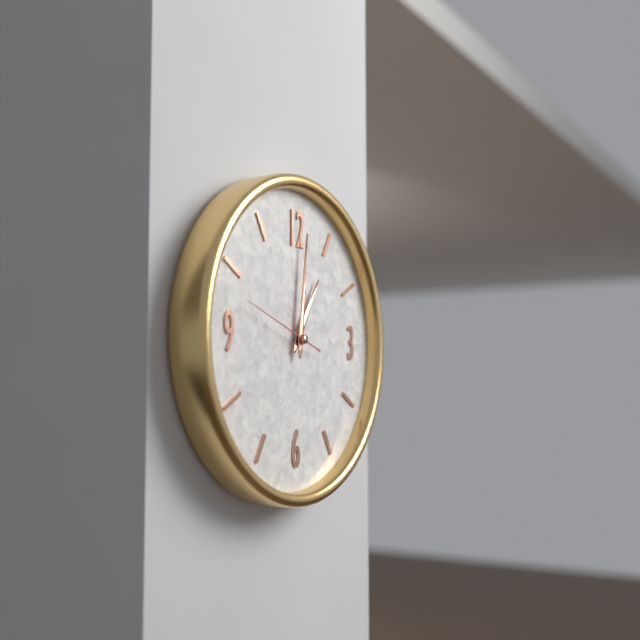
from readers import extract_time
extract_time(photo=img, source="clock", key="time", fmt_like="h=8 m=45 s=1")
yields h=1 m=1 s=48
